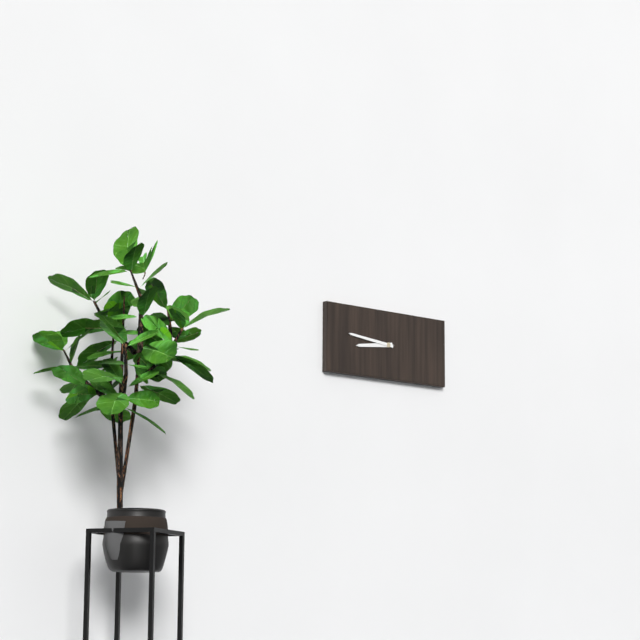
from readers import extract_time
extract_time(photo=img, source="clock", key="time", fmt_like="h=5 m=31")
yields h=8 m=46
